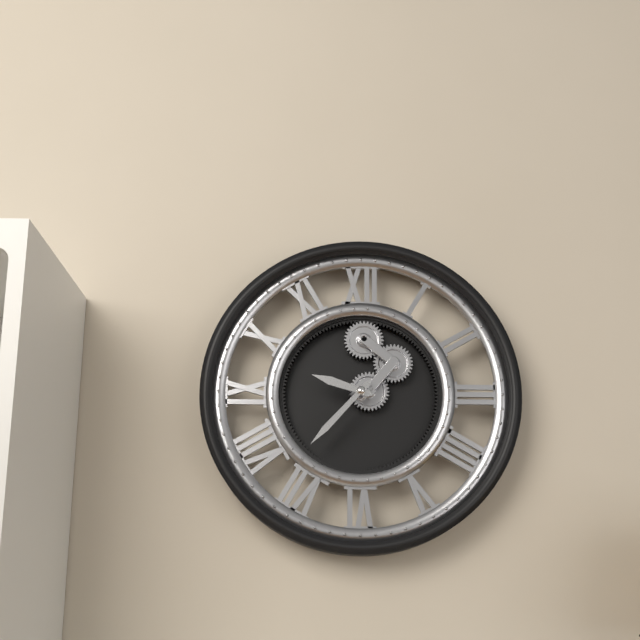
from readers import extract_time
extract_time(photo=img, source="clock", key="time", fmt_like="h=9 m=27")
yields h=9 m=37
